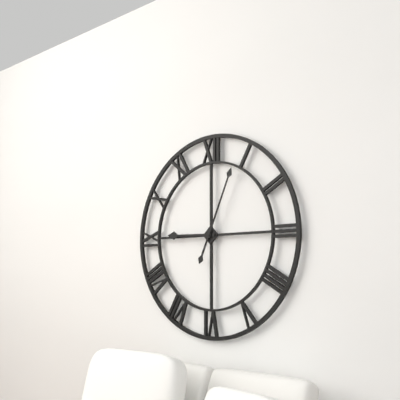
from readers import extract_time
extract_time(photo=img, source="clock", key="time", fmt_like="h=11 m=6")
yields h=9 m=4
